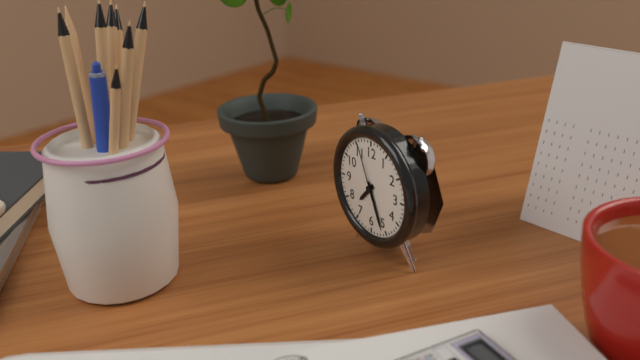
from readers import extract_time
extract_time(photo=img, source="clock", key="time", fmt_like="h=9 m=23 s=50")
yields h=7 m=26 s=56
